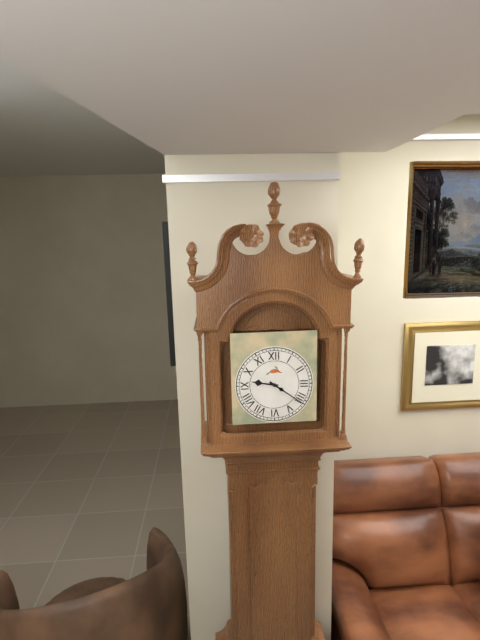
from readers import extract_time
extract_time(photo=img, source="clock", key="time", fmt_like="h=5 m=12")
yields h=9 m=21
